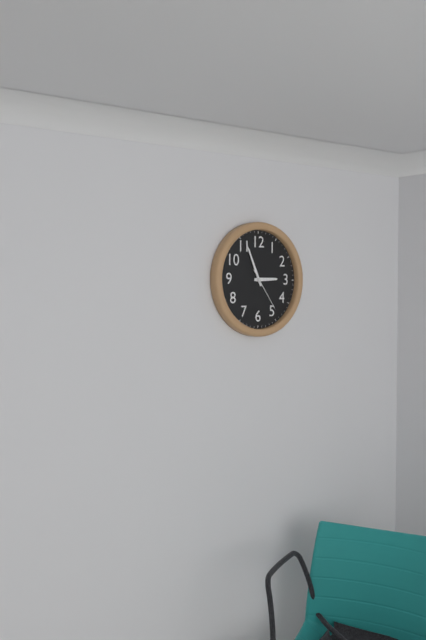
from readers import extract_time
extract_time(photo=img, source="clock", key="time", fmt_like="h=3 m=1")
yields h=2 m=56
